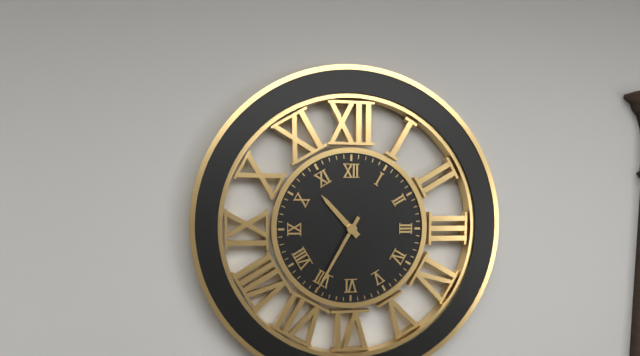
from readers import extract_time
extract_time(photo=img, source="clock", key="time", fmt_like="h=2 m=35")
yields h=10 m=35
